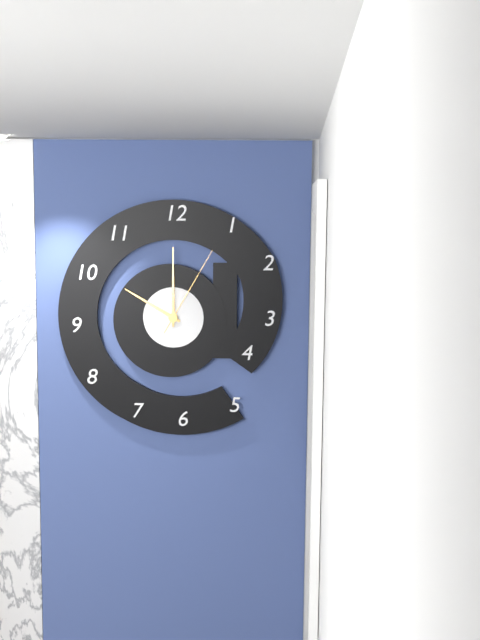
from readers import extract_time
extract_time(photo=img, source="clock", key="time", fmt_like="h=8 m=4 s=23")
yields h=10 m=0 s=5
